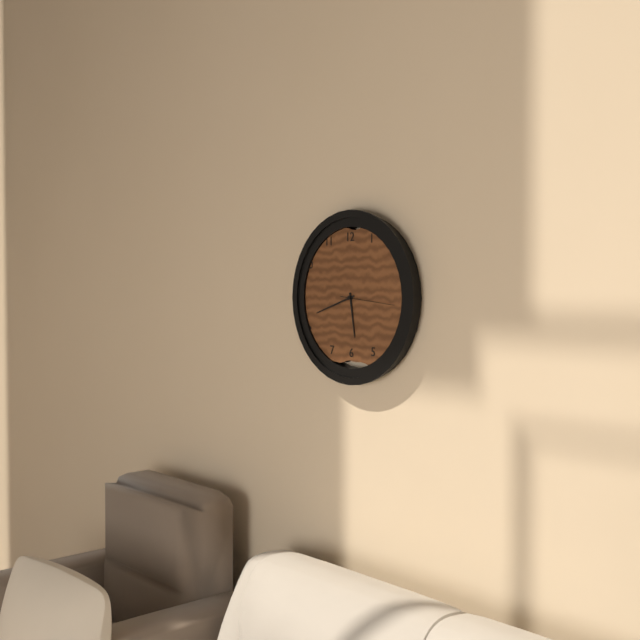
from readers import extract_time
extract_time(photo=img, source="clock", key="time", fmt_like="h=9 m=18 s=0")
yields h=5 m=42 s=16
